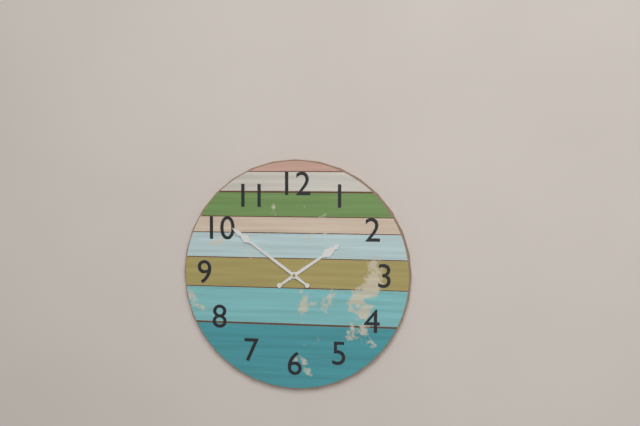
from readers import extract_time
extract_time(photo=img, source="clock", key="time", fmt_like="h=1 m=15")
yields h=1 m=51
